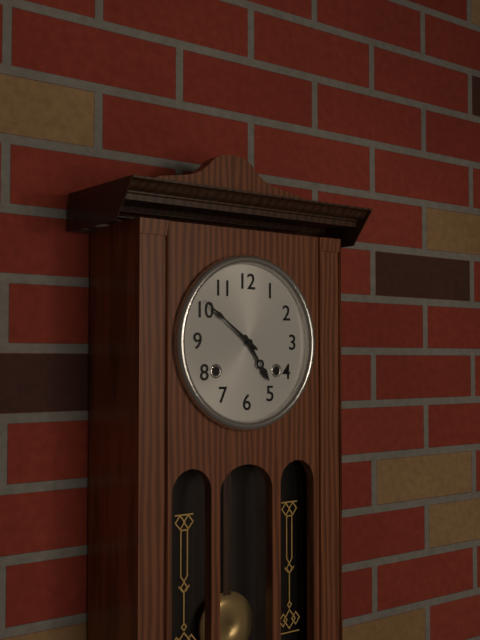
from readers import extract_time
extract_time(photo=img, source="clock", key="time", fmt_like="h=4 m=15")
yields h=4 m=51
